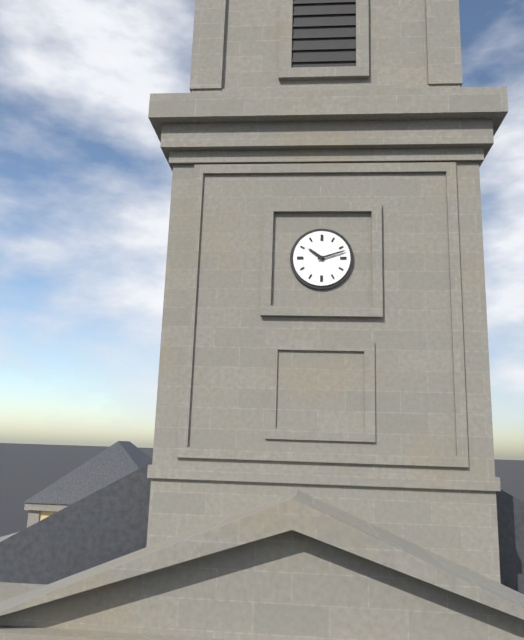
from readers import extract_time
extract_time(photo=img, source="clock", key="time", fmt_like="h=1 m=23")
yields h=10 m=12
